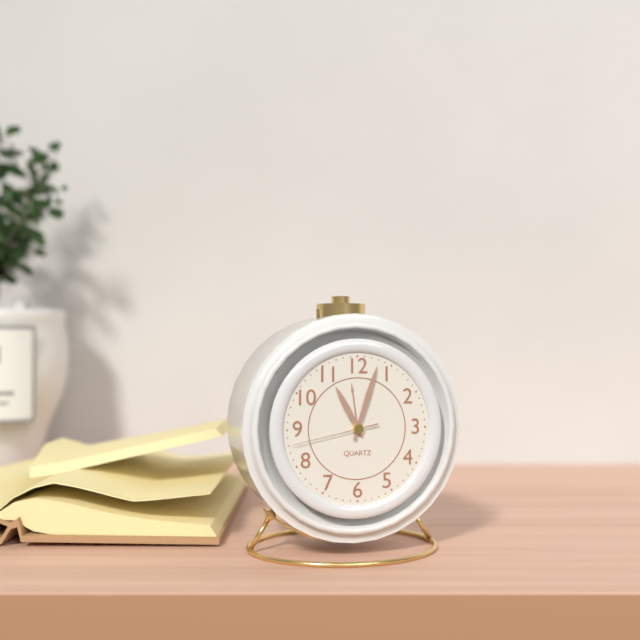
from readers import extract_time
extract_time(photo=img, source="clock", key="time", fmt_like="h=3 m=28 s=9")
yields h=11 m=3 s=43
